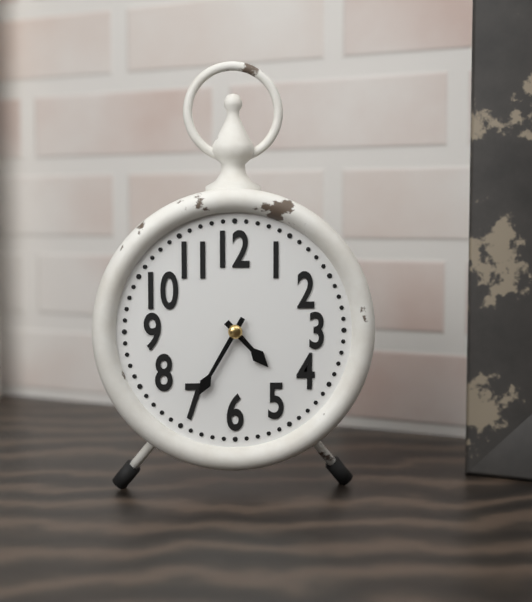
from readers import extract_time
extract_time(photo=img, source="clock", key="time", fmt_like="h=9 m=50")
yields h=4 m=35
